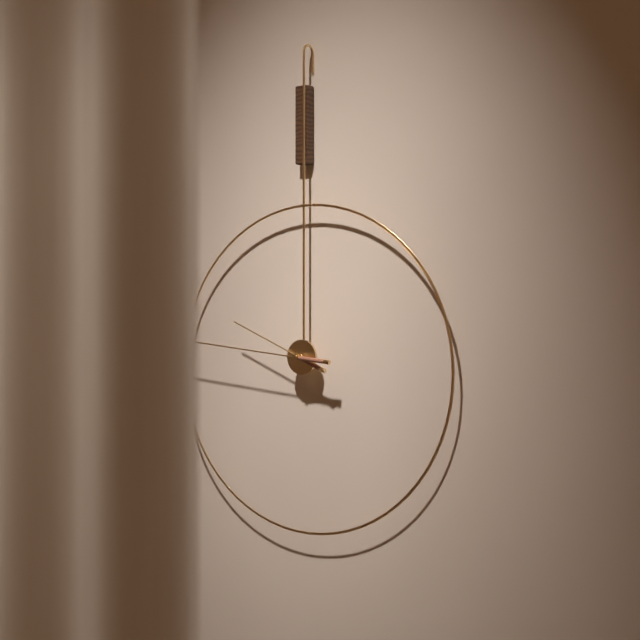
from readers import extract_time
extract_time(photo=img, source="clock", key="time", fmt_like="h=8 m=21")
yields h=9 m=46
